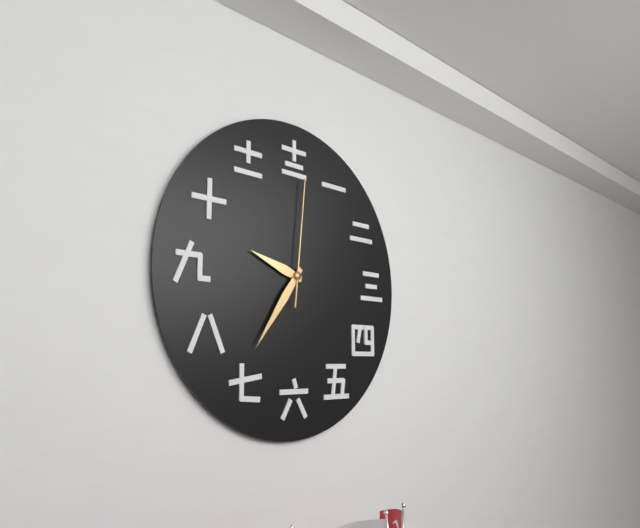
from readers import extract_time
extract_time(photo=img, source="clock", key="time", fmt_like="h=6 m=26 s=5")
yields h=9 m=36 s=1
